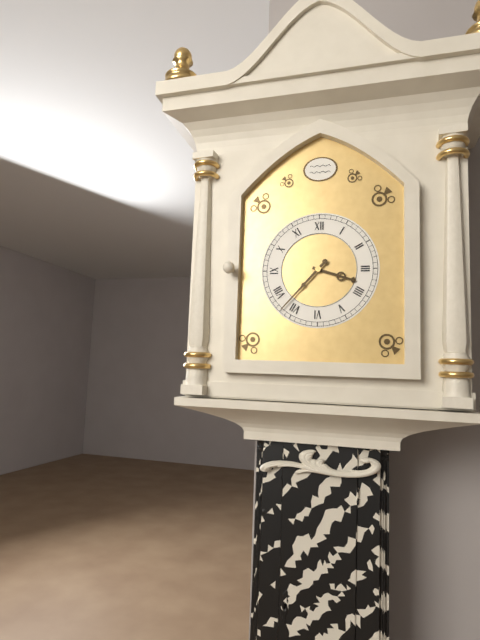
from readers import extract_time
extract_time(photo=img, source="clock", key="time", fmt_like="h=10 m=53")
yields h=3 m=37
